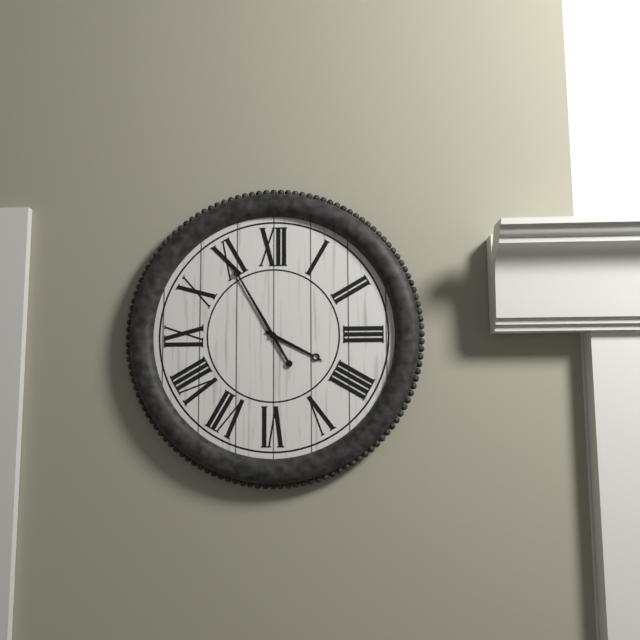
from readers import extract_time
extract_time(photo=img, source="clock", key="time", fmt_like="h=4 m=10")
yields h=3 m=55
